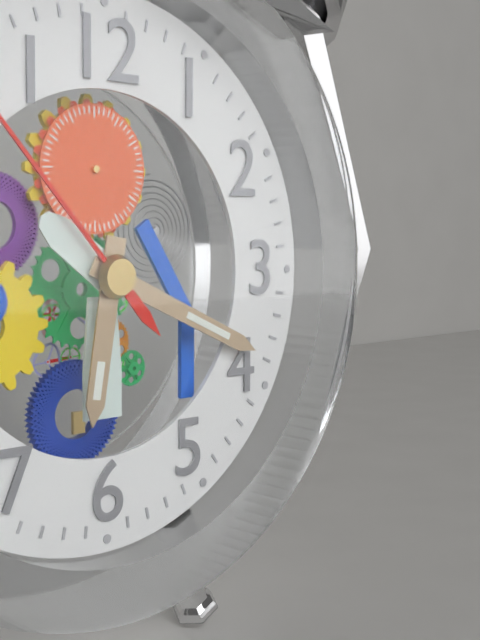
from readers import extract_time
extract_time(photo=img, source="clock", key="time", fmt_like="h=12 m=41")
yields h=6 m=19
